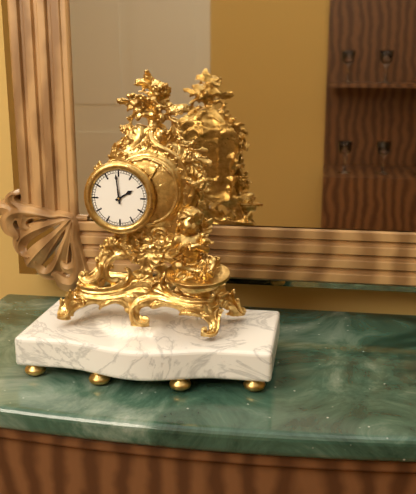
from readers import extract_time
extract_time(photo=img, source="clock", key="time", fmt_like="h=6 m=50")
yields h=1 m=59
